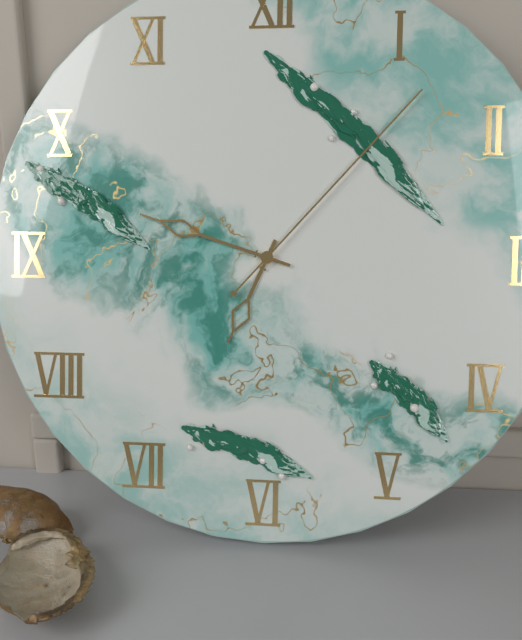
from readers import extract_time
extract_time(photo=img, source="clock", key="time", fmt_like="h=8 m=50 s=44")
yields h=6 m=48 s=7
